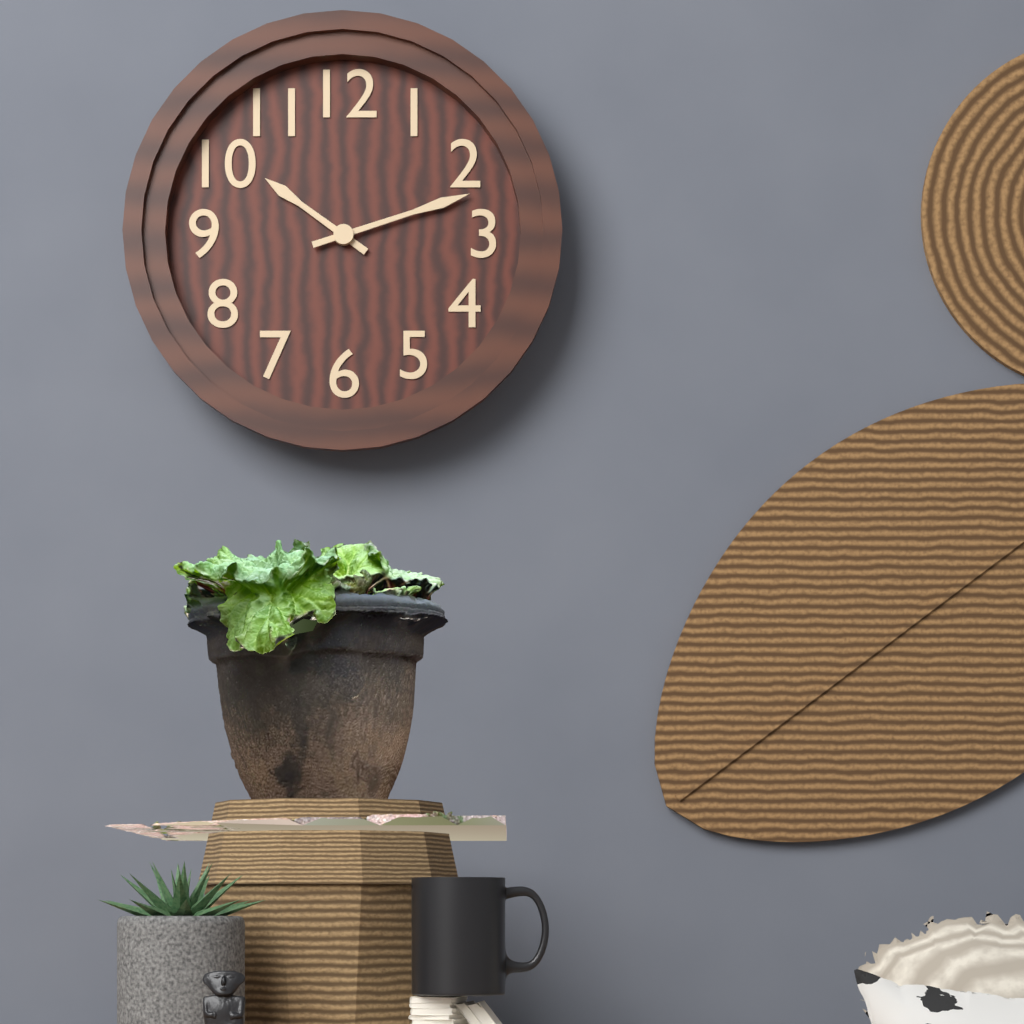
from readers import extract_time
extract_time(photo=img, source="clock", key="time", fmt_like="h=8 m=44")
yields h=10 m=12
